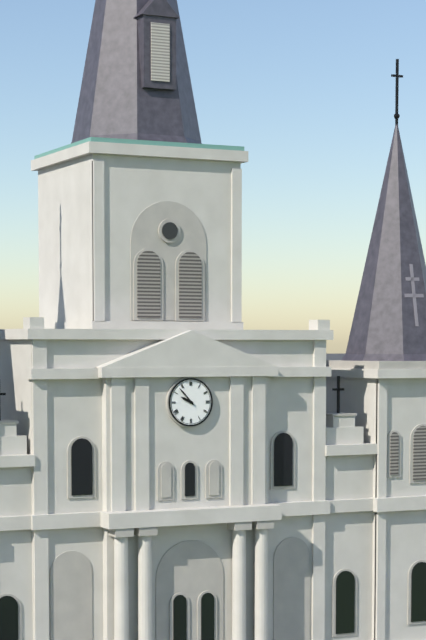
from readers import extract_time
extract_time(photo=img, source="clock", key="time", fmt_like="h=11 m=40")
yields h=9 m=53
